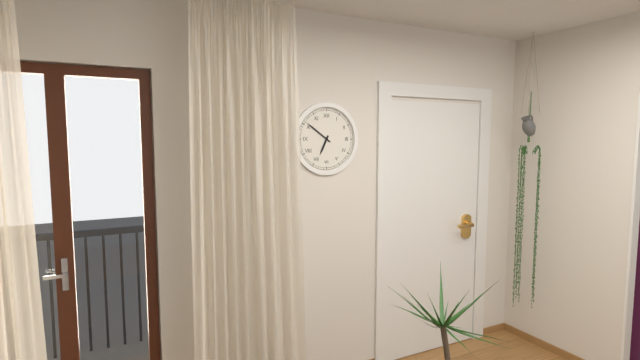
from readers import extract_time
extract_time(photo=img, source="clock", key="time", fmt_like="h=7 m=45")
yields h=6 m=51
